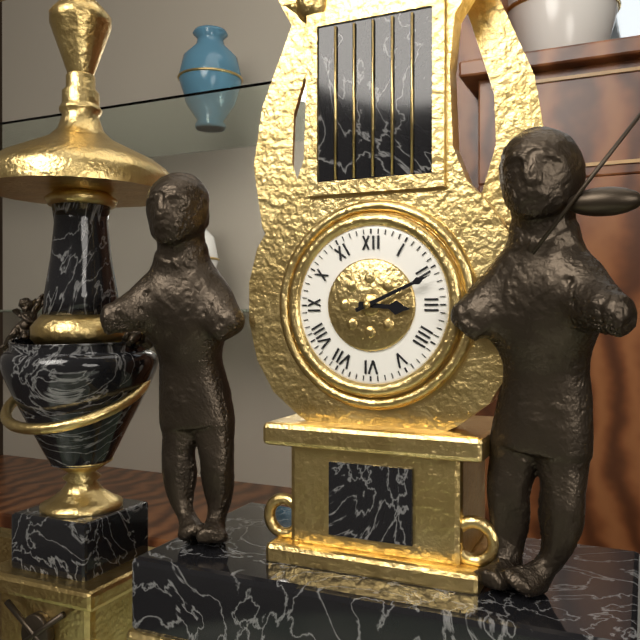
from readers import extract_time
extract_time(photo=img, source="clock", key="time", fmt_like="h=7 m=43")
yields h=3 m=11
